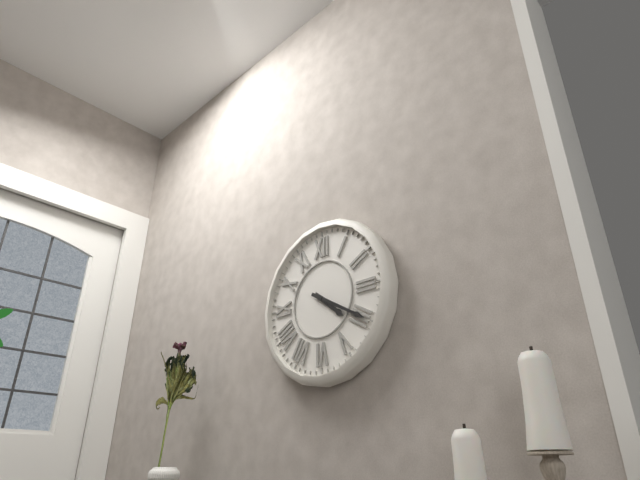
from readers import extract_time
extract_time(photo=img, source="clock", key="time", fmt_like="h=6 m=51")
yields h=4 m=20
